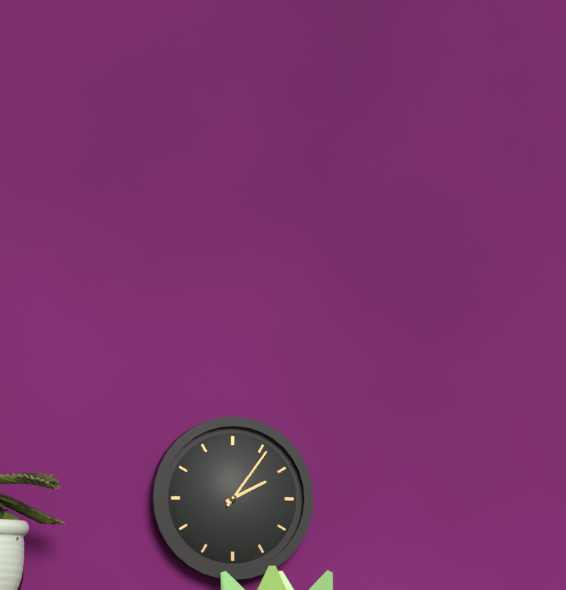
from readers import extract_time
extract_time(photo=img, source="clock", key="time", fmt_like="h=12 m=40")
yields h=2 m=6
